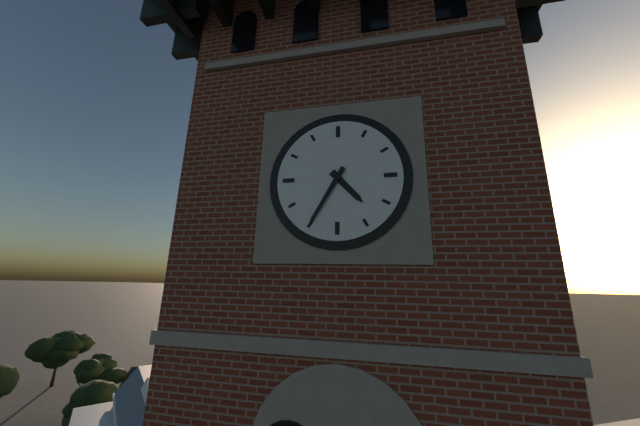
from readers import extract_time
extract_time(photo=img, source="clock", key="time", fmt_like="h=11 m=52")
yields h=4 m=35
